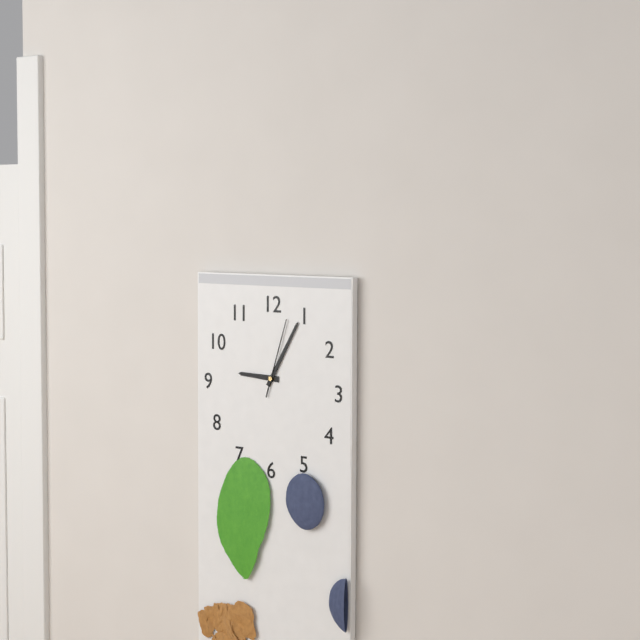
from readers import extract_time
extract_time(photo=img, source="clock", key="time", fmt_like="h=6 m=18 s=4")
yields h=9 m=5 s=3
